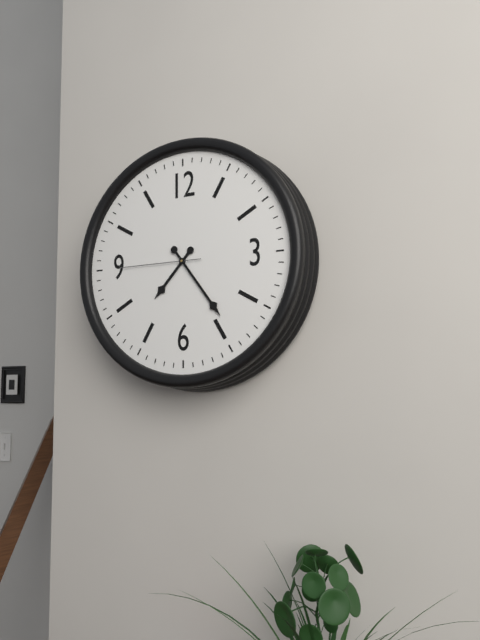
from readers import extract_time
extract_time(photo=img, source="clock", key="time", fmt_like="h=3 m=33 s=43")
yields h=7 m=24 s=45
